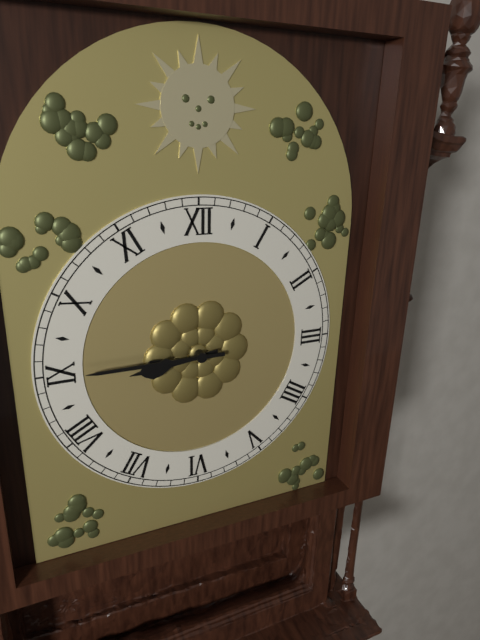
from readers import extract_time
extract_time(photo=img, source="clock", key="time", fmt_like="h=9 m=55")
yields h=8 m=45
